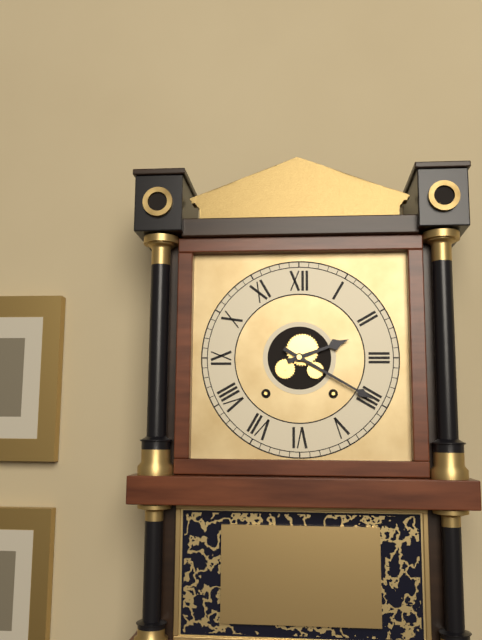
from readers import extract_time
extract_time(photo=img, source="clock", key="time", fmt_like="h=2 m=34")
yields h=2 m=20
